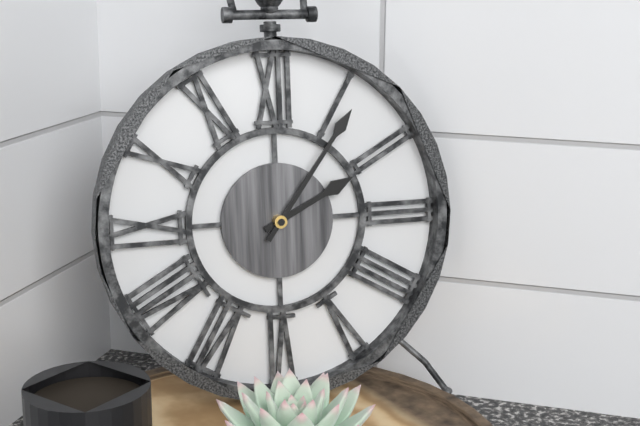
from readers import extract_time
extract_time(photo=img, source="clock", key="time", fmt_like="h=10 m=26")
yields h=2 m=6
